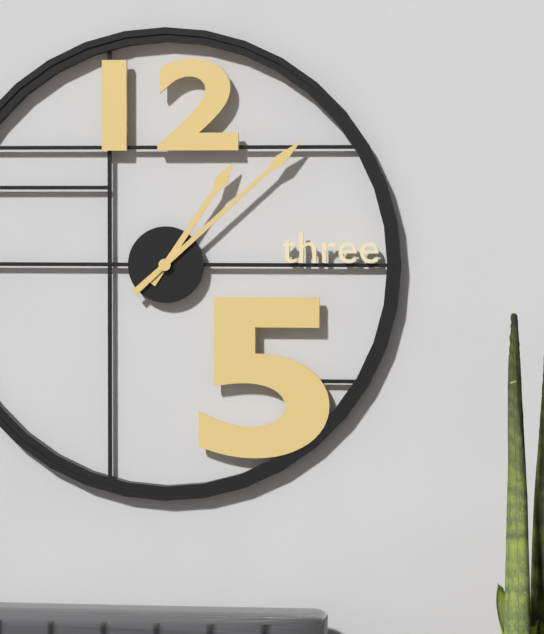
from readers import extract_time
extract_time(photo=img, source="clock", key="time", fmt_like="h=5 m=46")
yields h=1 m=8
